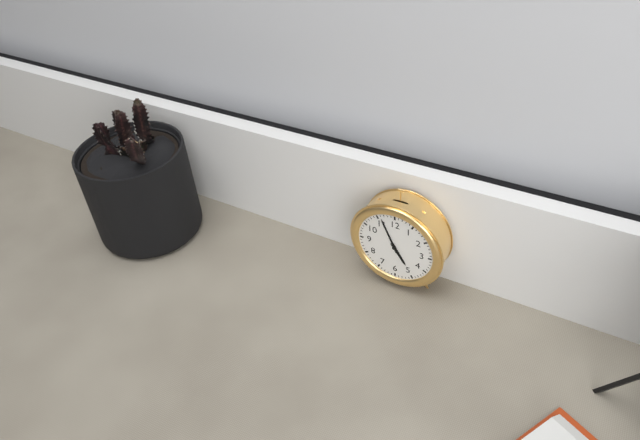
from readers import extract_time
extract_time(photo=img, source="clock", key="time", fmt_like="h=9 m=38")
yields h=4 m=56
